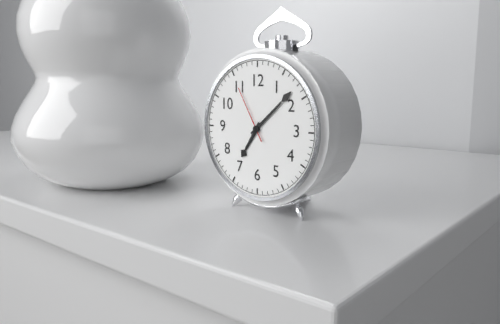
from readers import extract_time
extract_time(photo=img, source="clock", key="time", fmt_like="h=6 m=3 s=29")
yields h=7 m=8 s=55
